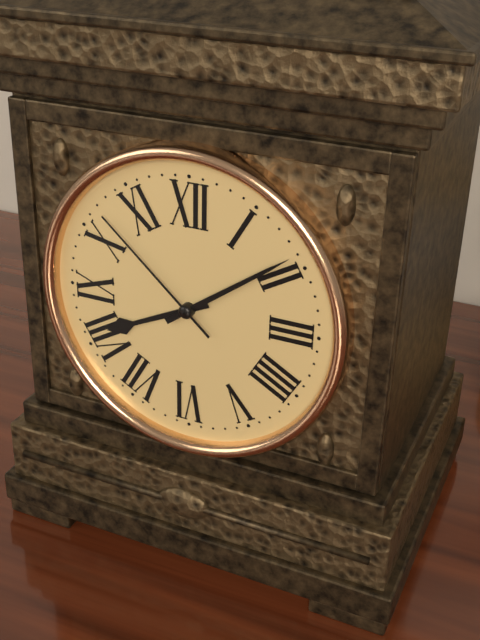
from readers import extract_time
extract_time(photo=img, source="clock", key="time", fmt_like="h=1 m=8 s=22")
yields h=8 m=9 s=52
